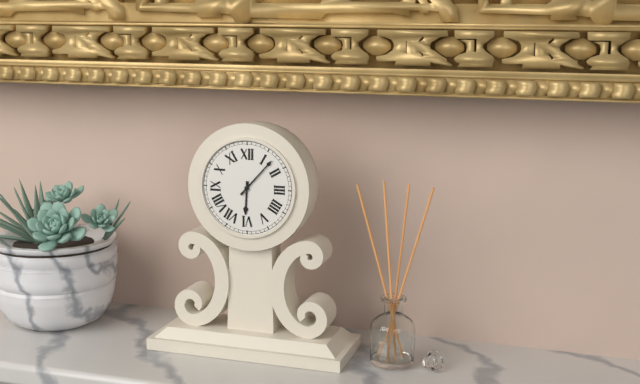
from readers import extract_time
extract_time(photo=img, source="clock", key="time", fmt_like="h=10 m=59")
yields h=6 m=7
